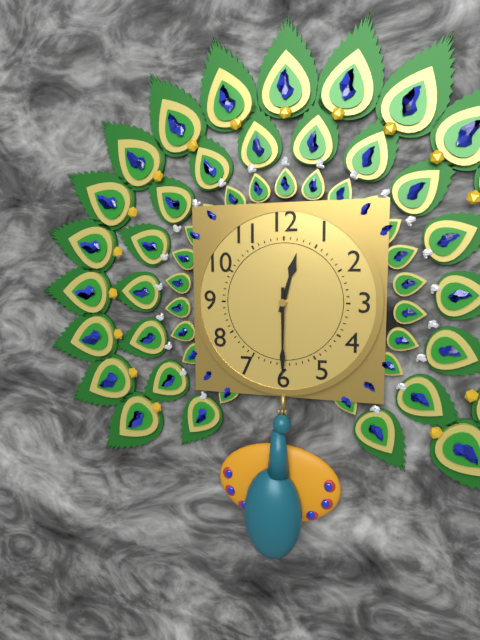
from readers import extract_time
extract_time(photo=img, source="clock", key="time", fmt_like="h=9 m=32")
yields h=12 m=30
